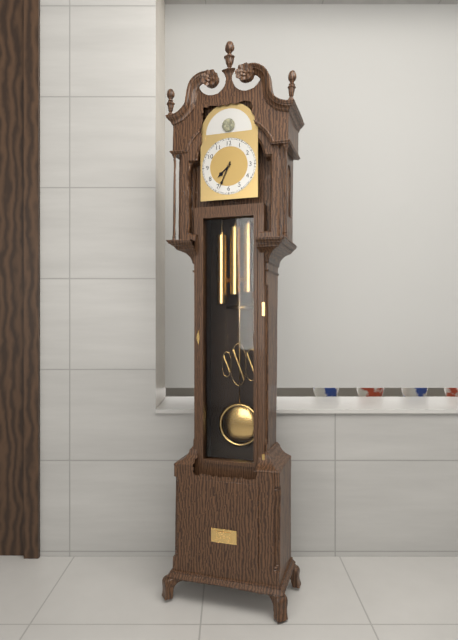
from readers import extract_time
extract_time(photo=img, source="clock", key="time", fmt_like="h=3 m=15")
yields h=7 m=34
